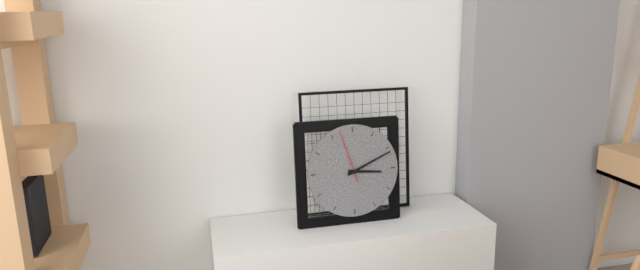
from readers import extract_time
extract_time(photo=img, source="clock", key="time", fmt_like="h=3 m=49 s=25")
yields h=3 m=11 s=57
